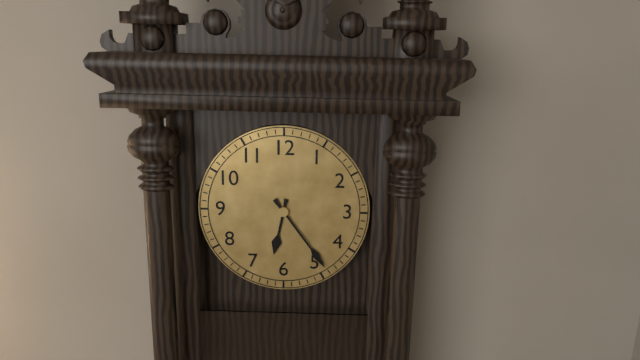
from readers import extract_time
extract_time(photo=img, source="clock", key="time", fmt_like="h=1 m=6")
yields h=6 m=24
